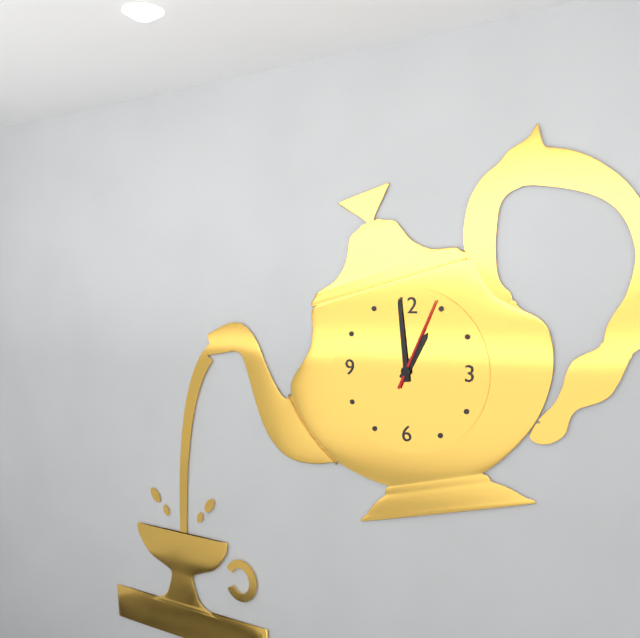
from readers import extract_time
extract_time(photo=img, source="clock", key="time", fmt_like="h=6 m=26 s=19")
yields h=12 m=59 s=4
